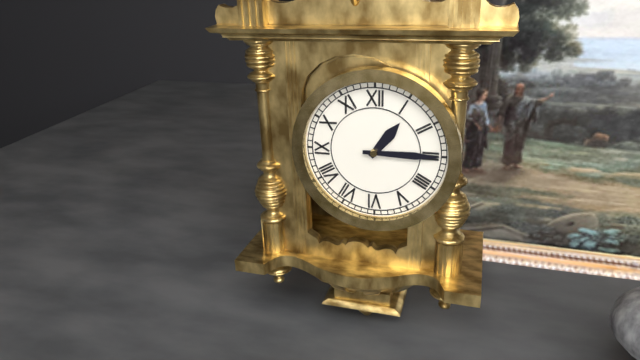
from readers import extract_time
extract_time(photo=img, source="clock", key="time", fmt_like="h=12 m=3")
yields h=1 m=15
